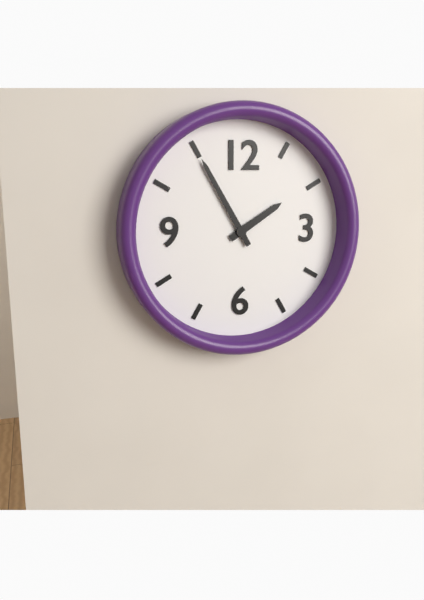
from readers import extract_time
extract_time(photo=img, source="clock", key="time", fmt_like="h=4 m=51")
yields h=1 m=55
